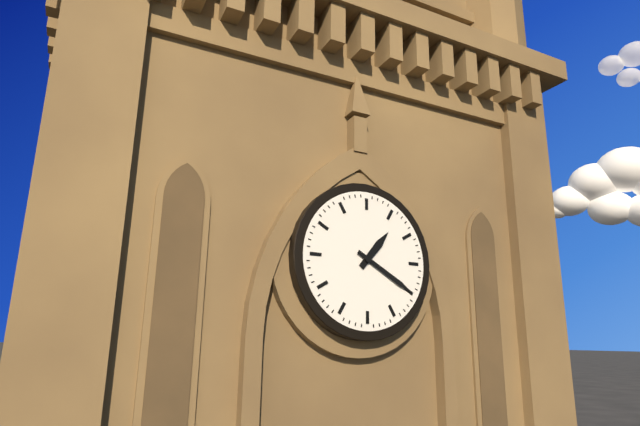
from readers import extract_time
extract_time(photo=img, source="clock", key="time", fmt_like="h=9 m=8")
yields h=1 m=20
